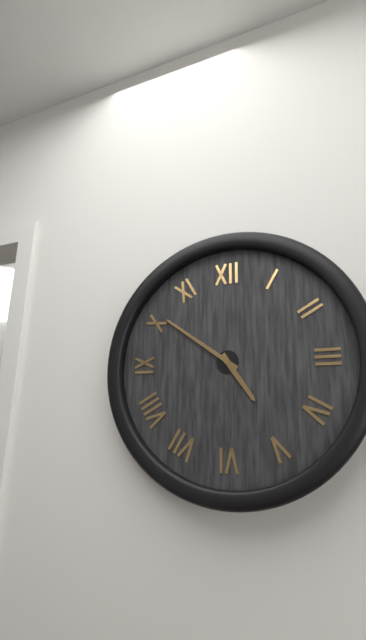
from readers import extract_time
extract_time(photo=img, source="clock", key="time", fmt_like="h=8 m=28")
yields h=4 m=51
